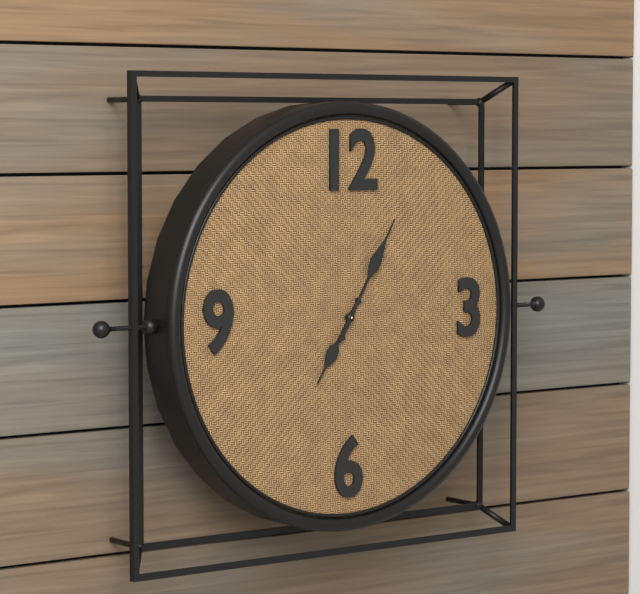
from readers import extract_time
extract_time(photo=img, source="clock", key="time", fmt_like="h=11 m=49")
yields h=7 m=5
